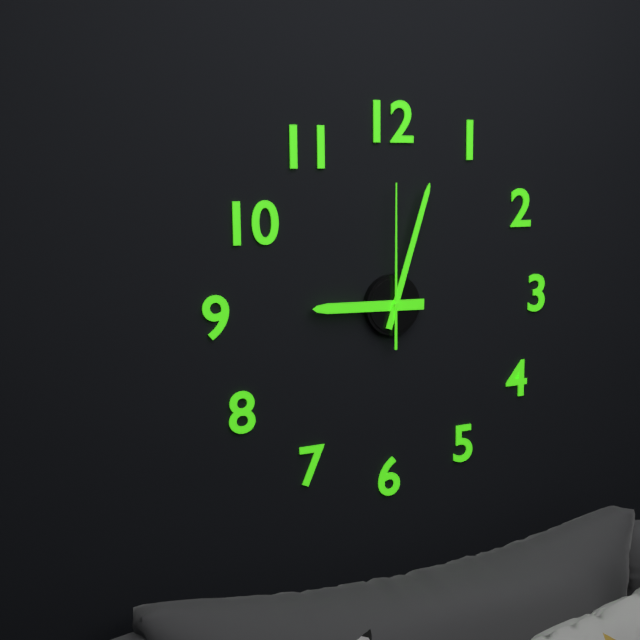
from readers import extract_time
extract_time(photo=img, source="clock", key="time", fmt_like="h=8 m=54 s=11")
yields h=9 m=3 s=0
